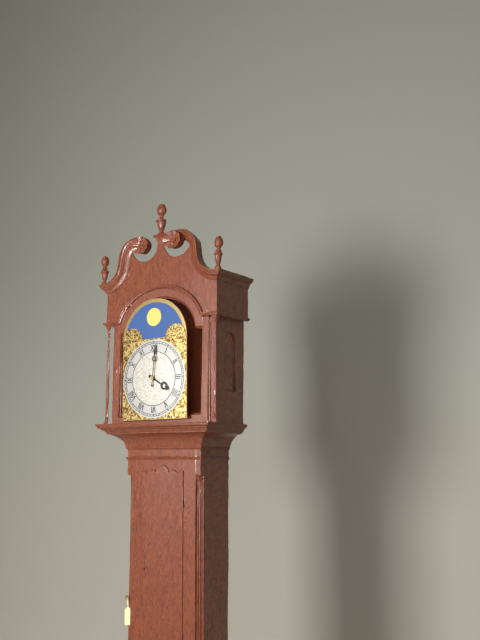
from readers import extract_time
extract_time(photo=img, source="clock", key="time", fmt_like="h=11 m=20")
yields h=4 m=1
